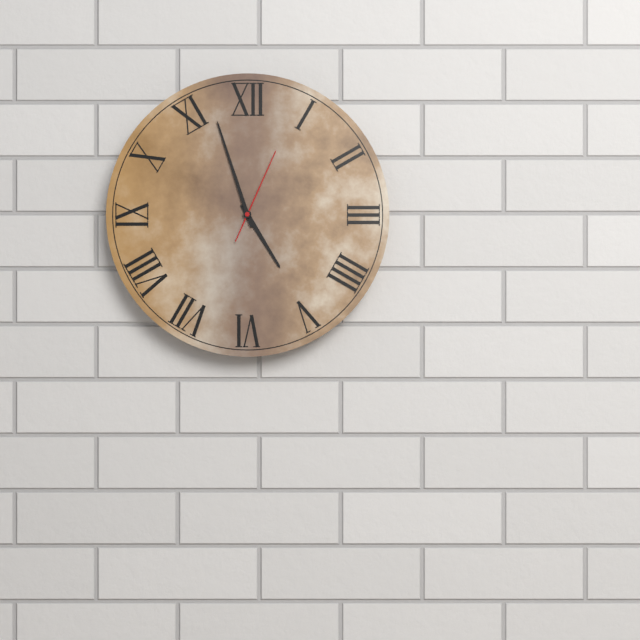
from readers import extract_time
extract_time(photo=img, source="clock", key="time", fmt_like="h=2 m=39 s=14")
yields h=4 m=57 s=4
